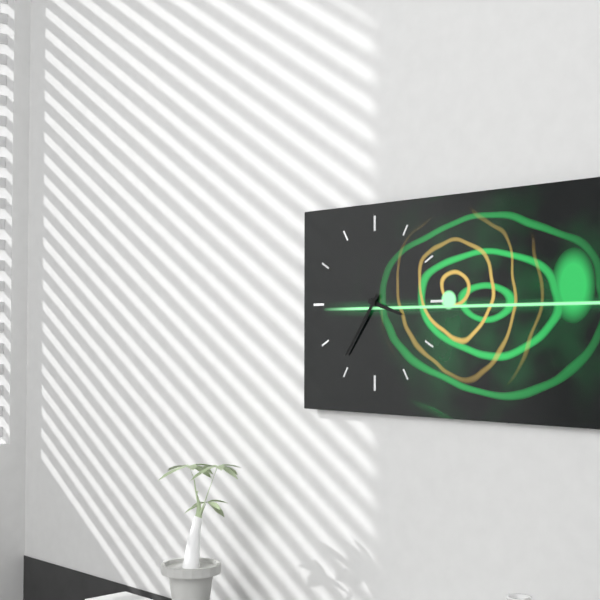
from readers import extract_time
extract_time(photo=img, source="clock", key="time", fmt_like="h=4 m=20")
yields h=3 m=36
